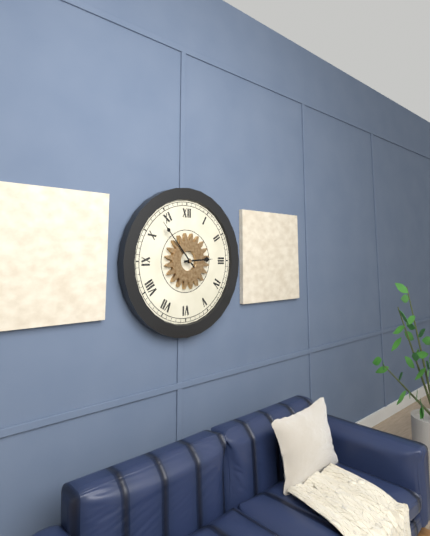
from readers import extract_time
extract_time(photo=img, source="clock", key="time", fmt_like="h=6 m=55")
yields h=2 m=53
